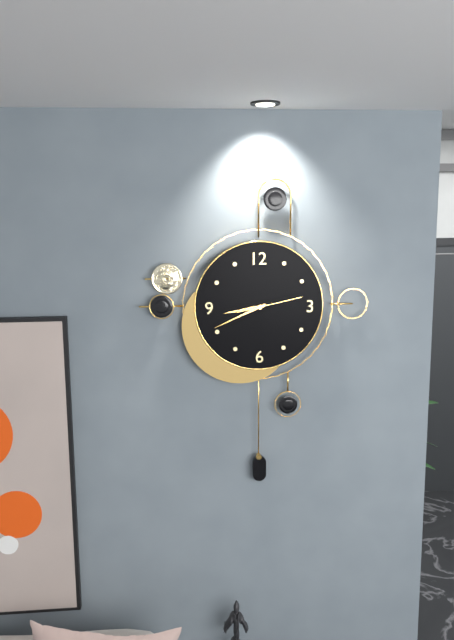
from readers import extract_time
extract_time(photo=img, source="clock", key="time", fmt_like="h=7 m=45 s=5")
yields h=8 m=41 s=13
